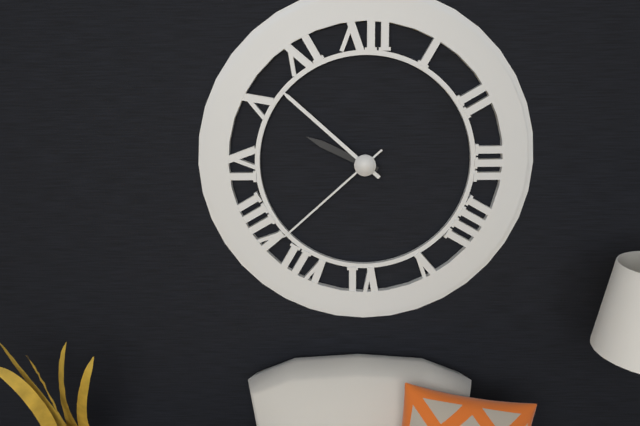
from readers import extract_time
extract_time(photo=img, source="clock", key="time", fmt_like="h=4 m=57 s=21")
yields h=9 m=52 s=38
